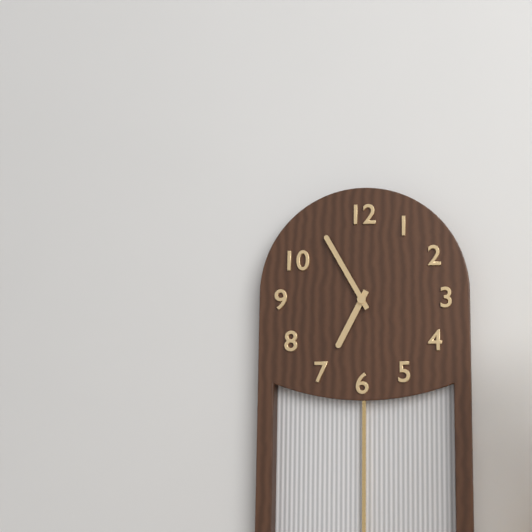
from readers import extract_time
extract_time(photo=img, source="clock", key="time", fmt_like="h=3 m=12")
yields h=6 m=55
